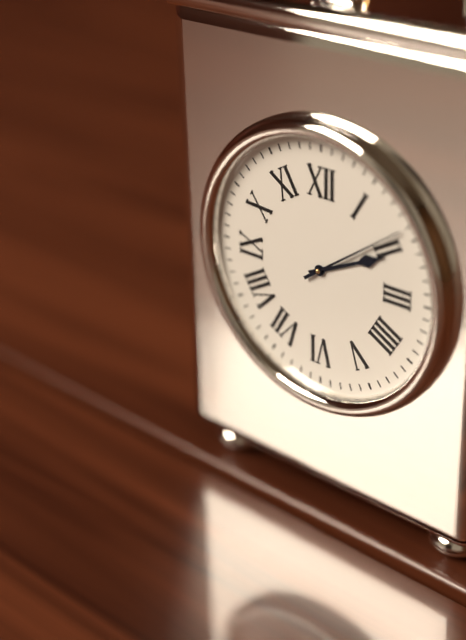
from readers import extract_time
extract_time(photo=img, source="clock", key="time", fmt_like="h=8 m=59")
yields h=2 m=9
